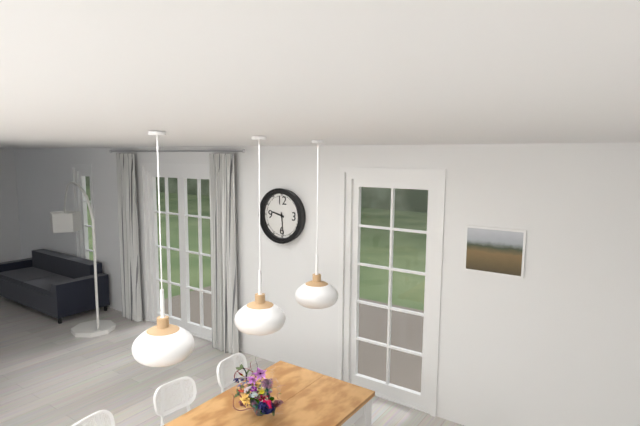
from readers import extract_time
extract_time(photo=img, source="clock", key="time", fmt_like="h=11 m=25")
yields h=9 m=29
